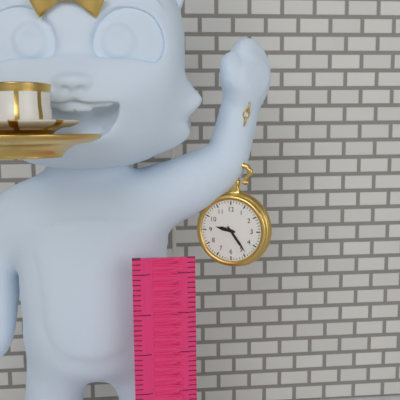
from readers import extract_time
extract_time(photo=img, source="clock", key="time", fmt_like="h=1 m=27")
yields h=9 m=24
